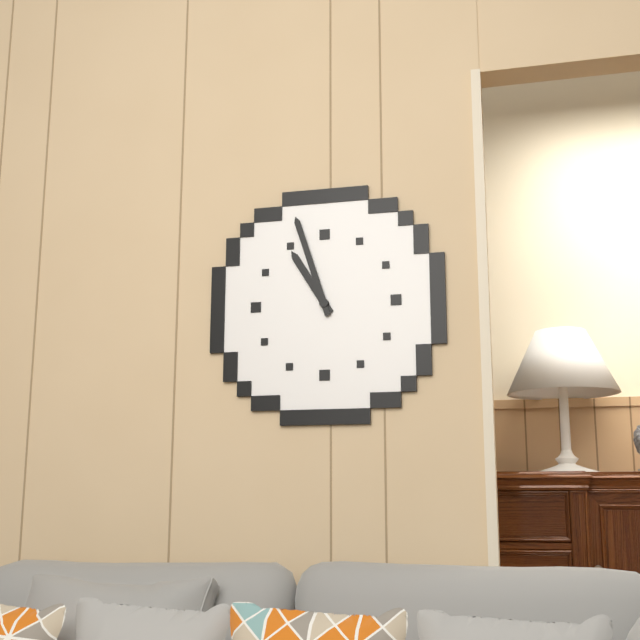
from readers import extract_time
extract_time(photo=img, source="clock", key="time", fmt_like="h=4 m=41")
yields h=10 m=57
